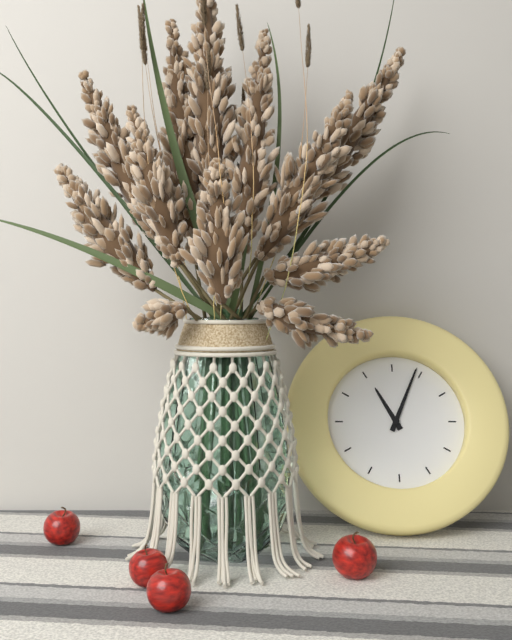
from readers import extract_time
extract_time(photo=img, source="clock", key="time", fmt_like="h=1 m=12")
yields h=11 m=4
